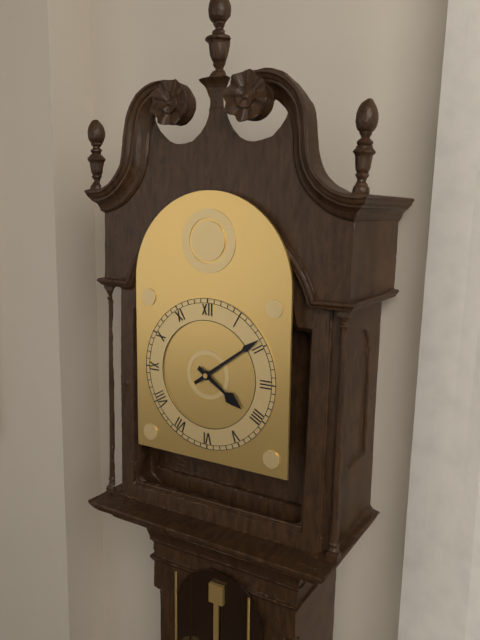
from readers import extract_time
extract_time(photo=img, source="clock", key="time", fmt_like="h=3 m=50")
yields h=4 m=9
